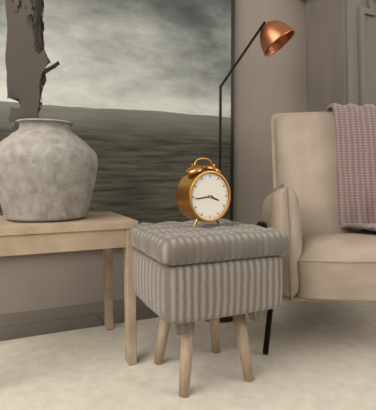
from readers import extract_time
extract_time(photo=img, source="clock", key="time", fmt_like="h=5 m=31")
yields h=3 m=44
